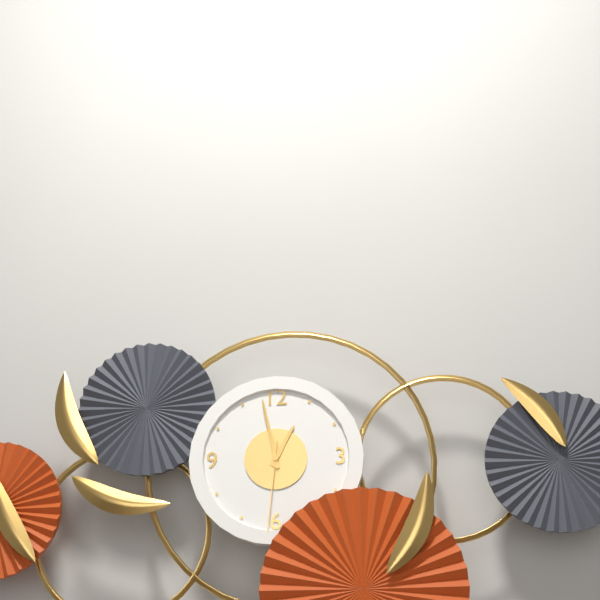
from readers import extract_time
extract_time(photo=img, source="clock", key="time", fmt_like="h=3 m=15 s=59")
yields h=12 m=58 s=31
